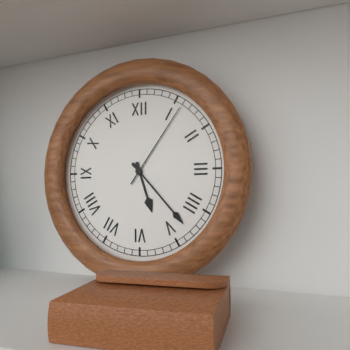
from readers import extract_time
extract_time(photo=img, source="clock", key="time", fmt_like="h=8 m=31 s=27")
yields h=5 m=23 s=6
